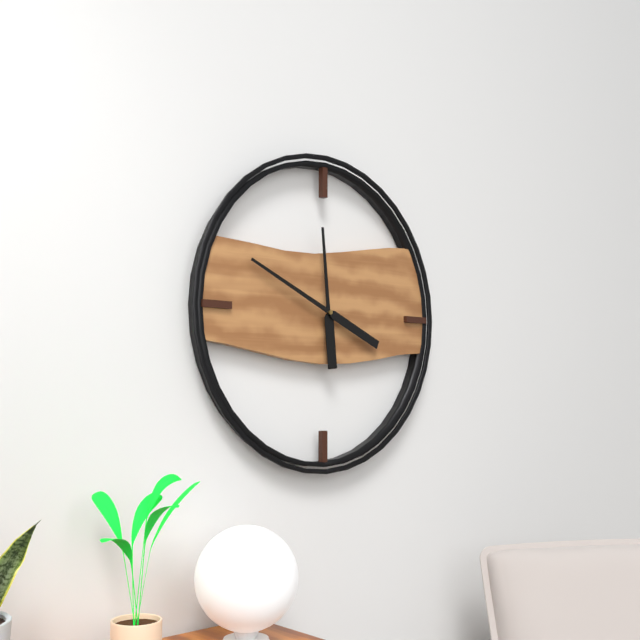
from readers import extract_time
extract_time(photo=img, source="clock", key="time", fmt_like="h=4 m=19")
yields h=11 m=49
